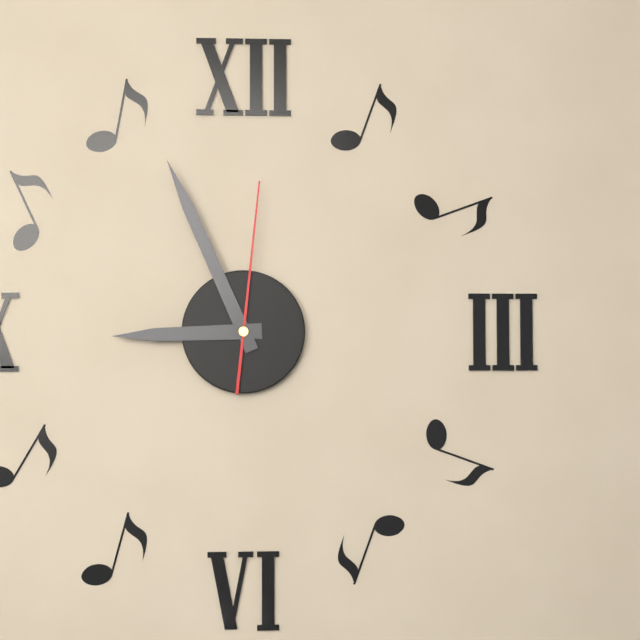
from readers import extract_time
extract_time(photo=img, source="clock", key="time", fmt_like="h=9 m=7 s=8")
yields h=8 m=56 s=1
